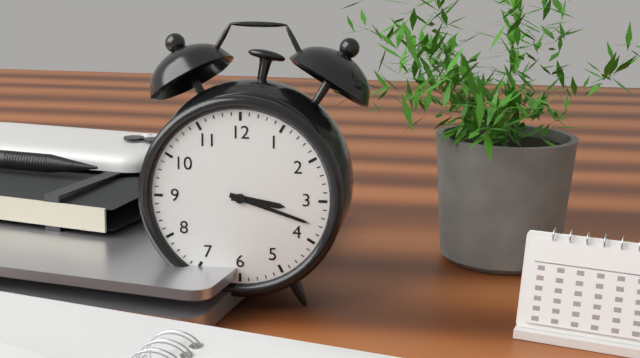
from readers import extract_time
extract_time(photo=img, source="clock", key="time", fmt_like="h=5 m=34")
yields h=3 m=18
